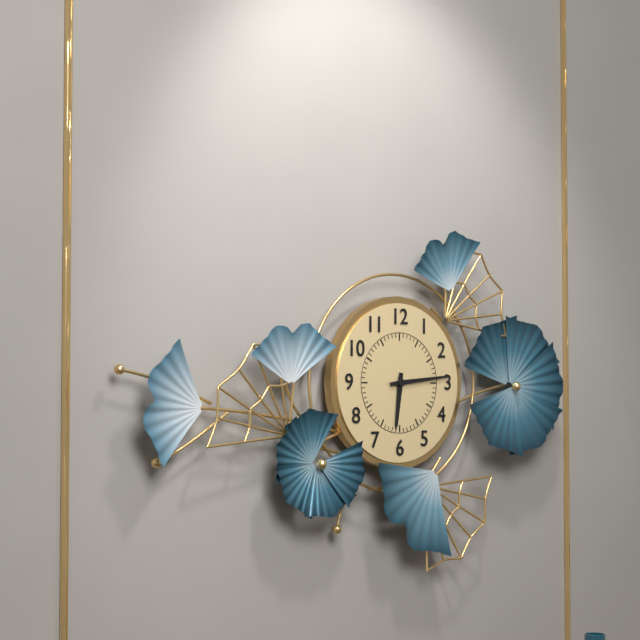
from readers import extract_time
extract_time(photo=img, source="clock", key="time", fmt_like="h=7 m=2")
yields h=6 m=14
